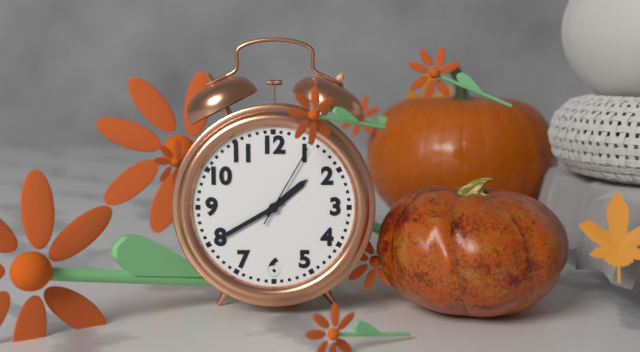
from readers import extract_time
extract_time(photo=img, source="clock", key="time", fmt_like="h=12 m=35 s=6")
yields h=1 m=40 s=5
